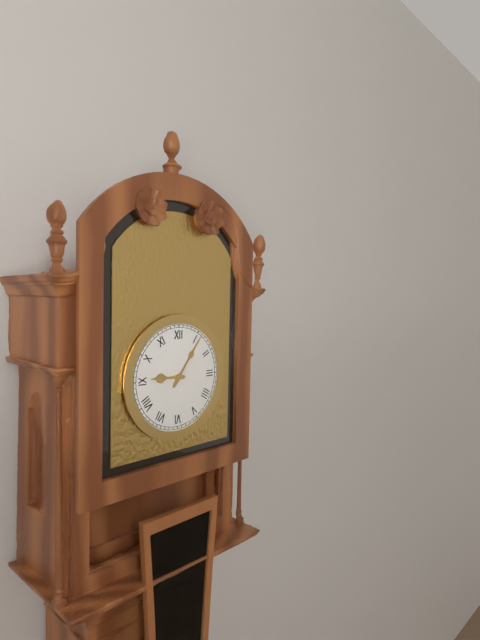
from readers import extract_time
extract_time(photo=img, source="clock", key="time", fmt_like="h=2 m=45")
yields h=9 m=6
